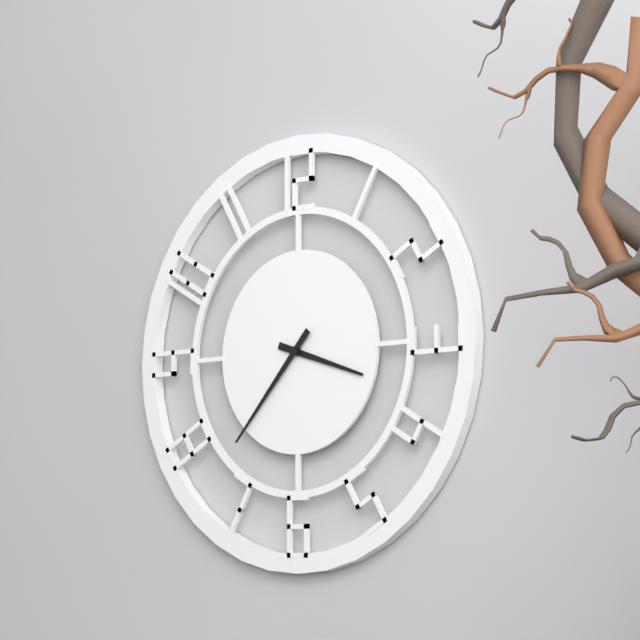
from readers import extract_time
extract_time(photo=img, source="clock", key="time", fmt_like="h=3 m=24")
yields h=3 m=37
